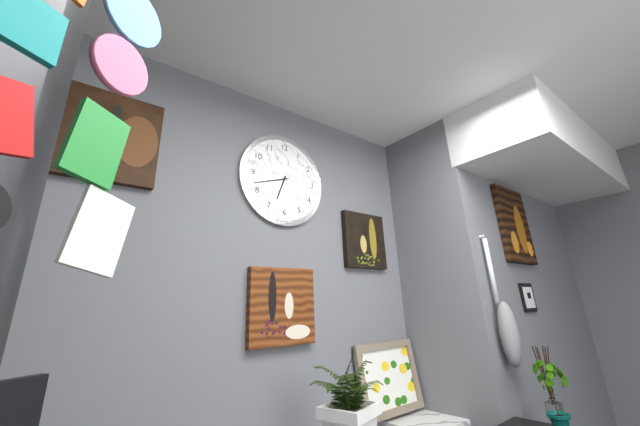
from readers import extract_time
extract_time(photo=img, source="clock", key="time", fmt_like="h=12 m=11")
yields h=6 m=42
